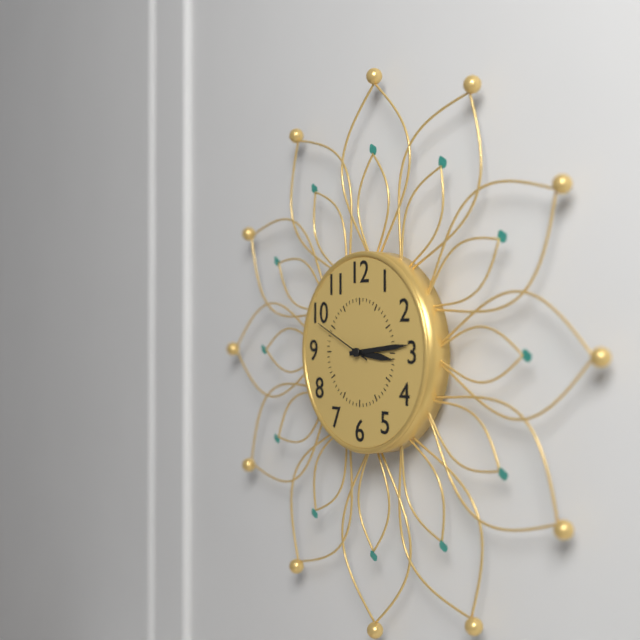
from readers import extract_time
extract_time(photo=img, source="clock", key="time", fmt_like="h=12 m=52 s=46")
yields h=3 m=14 s=49
